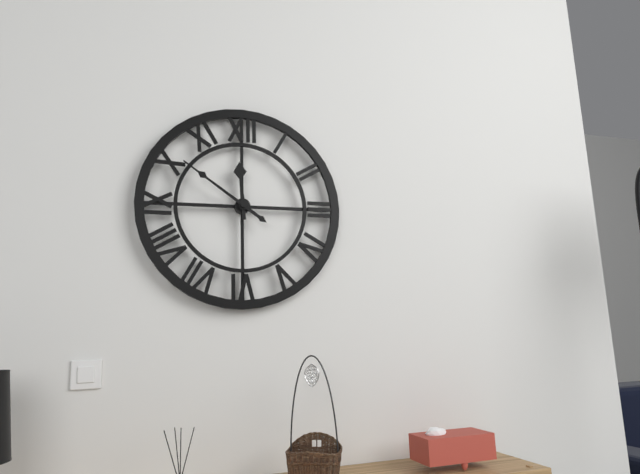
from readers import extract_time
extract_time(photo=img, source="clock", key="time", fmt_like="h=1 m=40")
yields h=11 m=51
